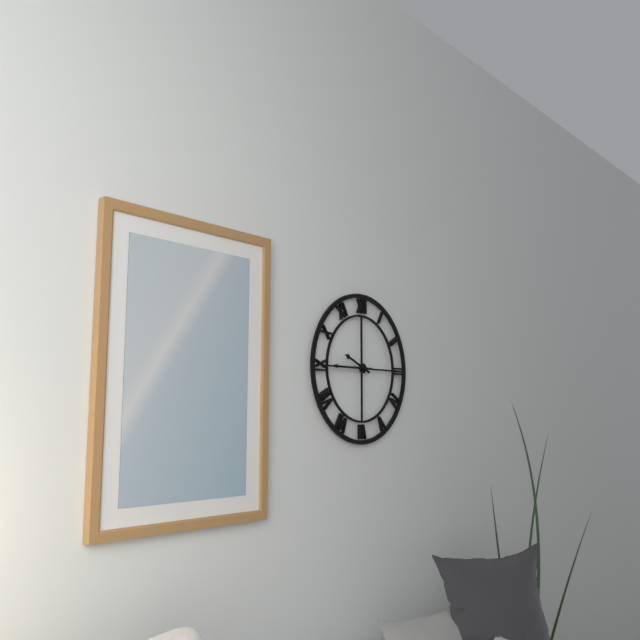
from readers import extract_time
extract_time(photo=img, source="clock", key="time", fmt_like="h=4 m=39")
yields h=9 m=45
